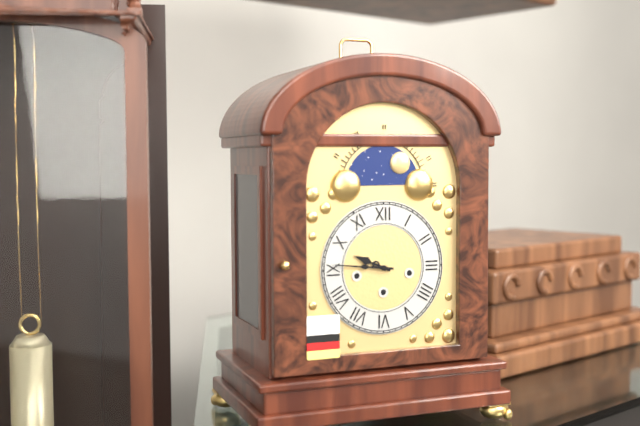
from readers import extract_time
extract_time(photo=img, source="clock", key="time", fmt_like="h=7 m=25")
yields h=9 m=46
